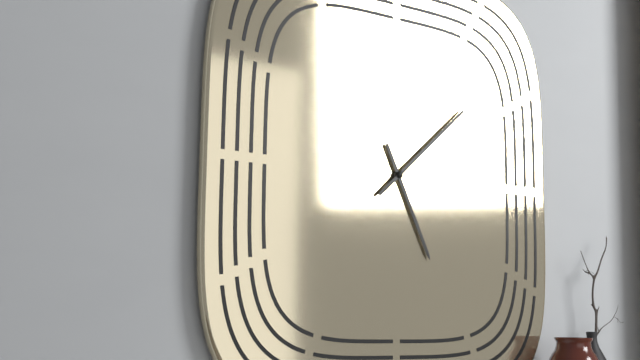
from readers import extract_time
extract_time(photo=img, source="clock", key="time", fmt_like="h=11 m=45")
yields h=5 m=8
